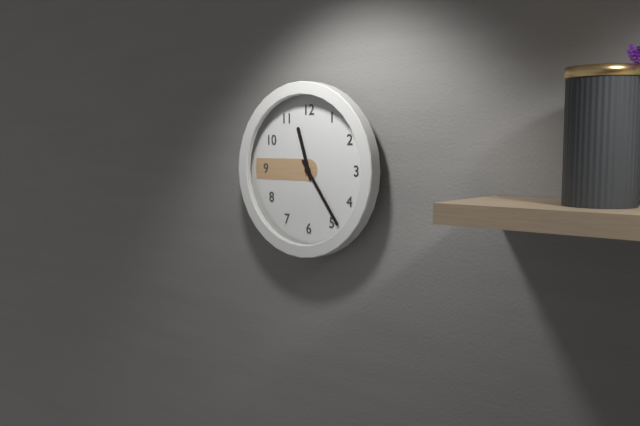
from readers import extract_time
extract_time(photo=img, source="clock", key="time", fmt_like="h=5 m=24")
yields h=11 m=24
